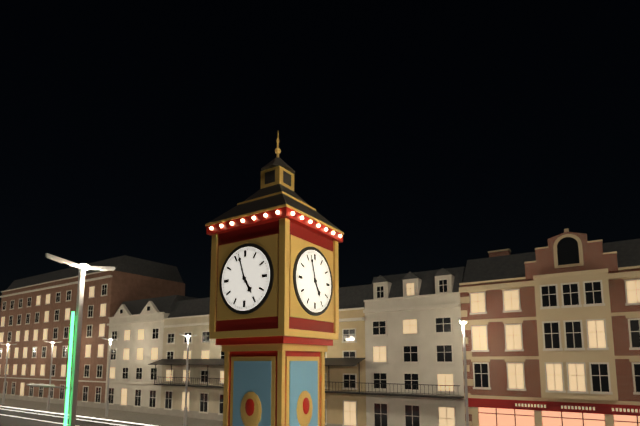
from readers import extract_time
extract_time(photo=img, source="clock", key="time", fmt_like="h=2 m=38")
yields h=4 m=57
